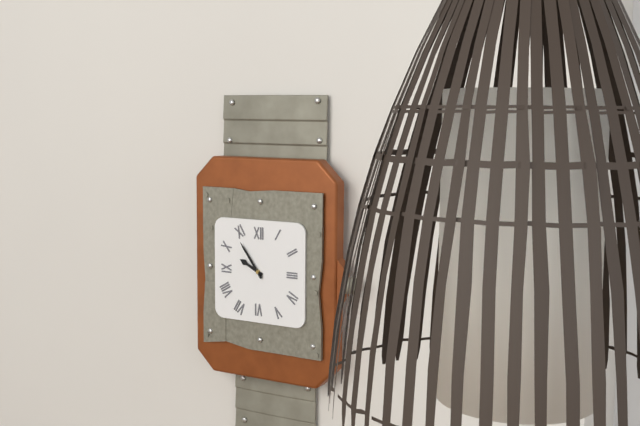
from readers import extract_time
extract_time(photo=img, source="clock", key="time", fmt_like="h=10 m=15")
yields h=9 m=54
